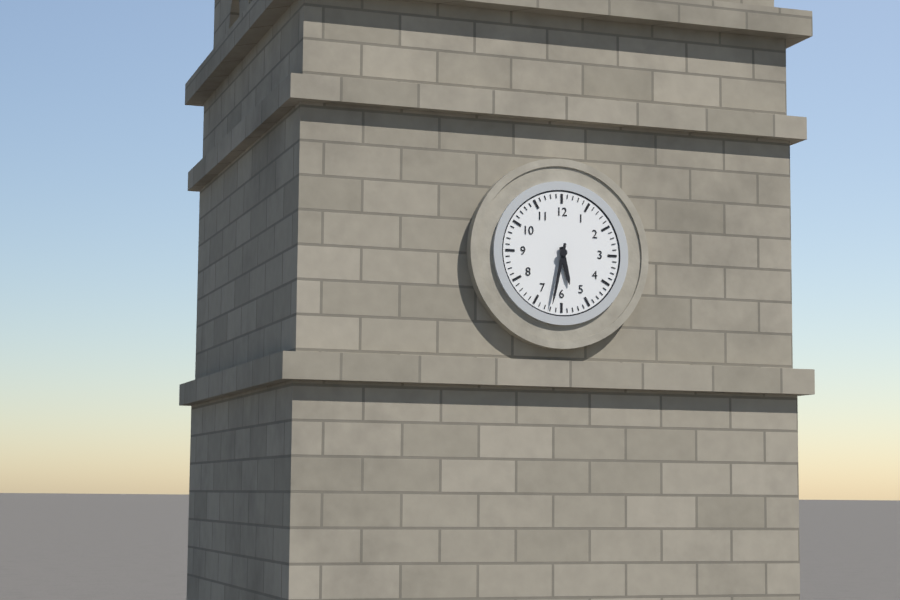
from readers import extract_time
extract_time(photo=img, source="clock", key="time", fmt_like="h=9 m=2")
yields h=5 m=32
